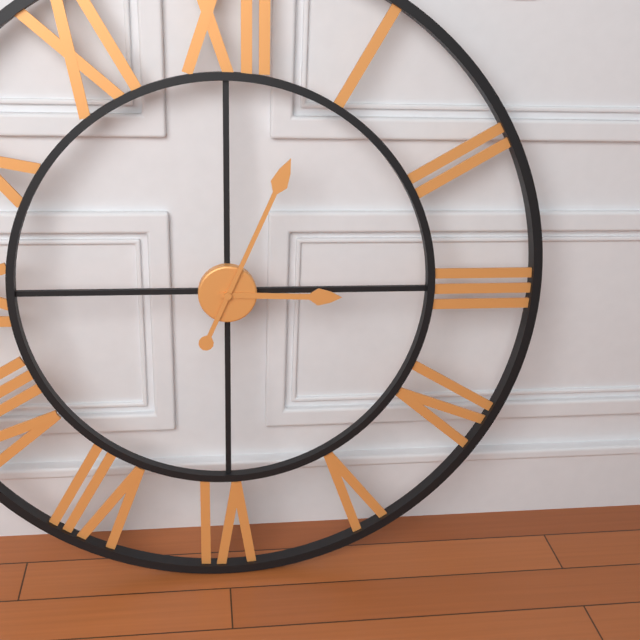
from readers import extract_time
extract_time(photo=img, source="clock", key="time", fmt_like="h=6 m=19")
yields h=3 m=4
